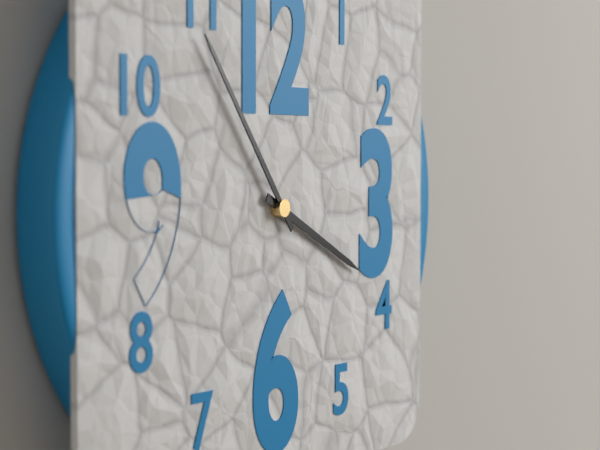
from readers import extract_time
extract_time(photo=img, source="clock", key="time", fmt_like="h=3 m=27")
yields h=3 m=54
